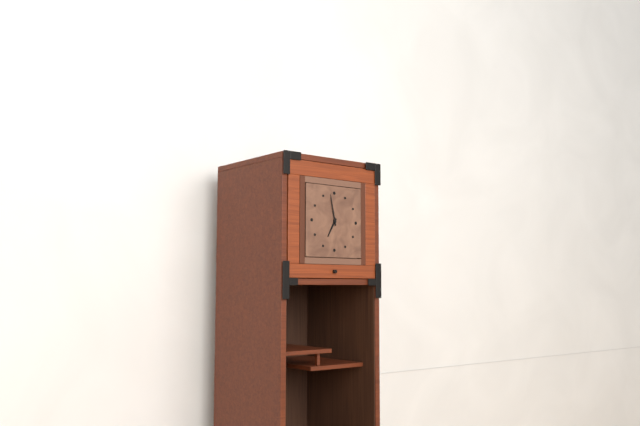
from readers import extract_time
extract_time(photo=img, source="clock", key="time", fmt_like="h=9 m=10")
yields h=6 m=58
